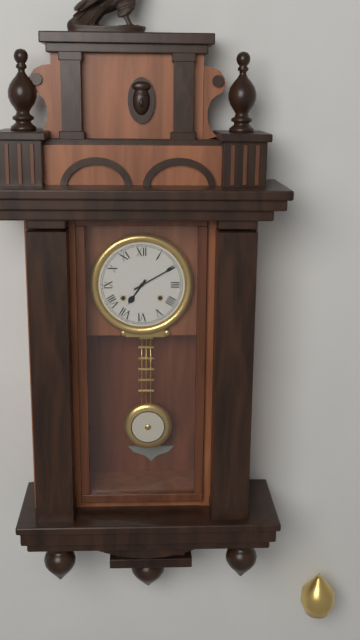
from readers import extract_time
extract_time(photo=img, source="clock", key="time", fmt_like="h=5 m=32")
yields h=7 m=10
